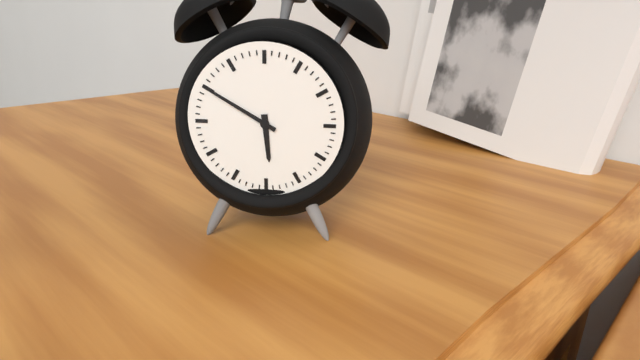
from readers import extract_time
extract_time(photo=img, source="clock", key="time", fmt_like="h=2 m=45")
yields h=5 m=50
